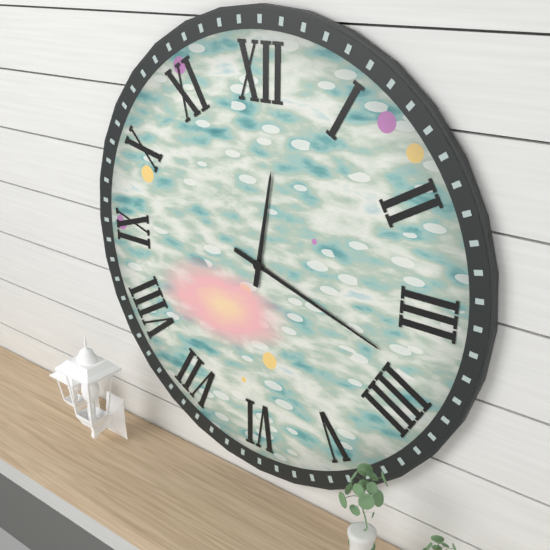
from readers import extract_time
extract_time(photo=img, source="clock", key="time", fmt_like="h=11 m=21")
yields h=12 m=18
